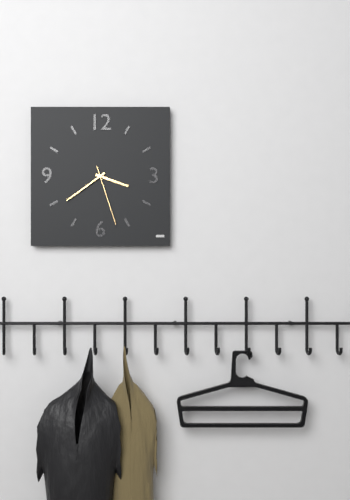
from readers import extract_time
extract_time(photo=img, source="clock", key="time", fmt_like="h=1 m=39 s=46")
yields h=3 m=39 s=27
